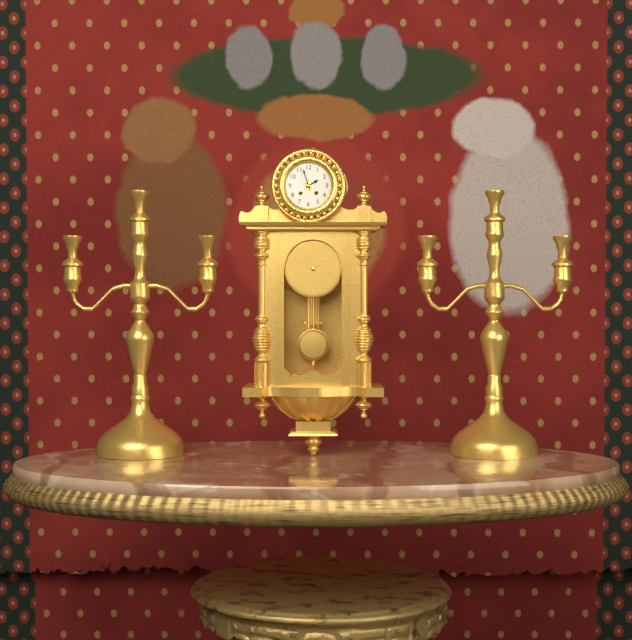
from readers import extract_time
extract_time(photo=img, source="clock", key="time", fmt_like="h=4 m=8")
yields h=1 m=57
